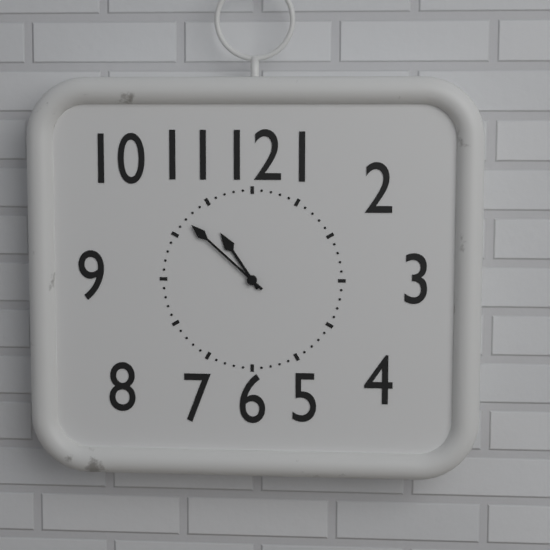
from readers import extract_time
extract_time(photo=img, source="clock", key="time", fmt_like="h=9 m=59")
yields h=10 m=52
